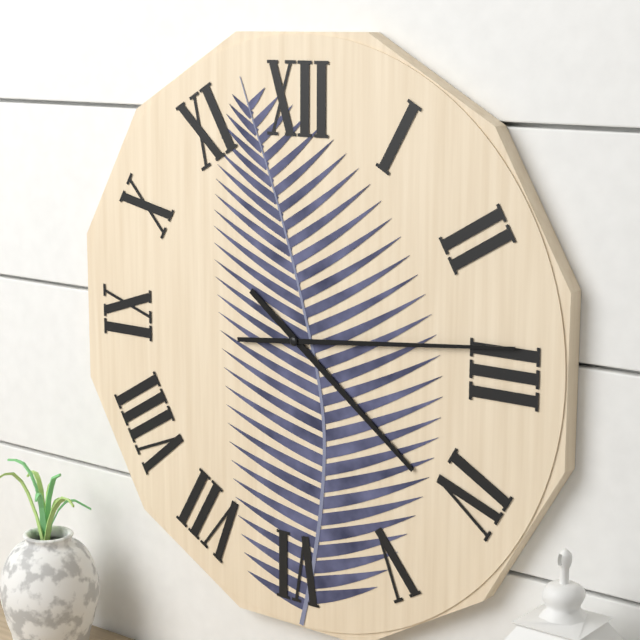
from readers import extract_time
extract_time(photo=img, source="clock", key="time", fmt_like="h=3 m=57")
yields h=4 m=14
